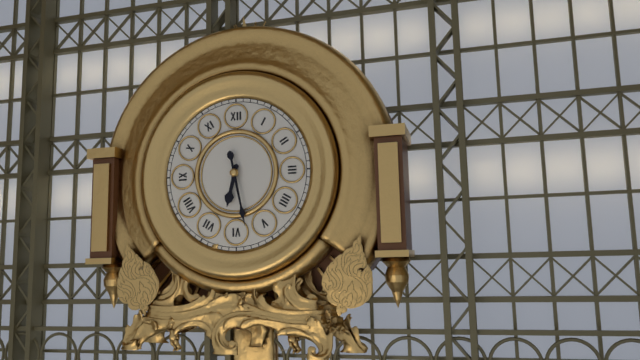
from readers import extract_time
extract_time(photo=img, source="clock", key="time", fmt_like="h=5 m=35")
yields h=6 m=28
